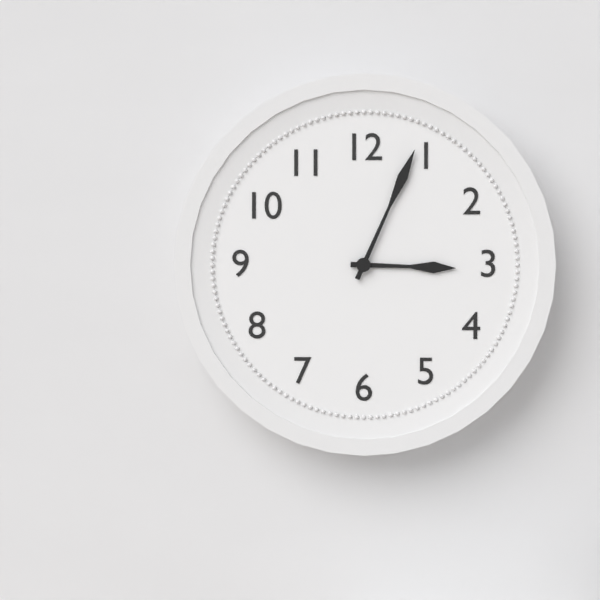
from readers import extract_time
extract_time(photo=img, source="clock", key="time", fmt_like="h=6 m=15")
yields h=3 m=4
